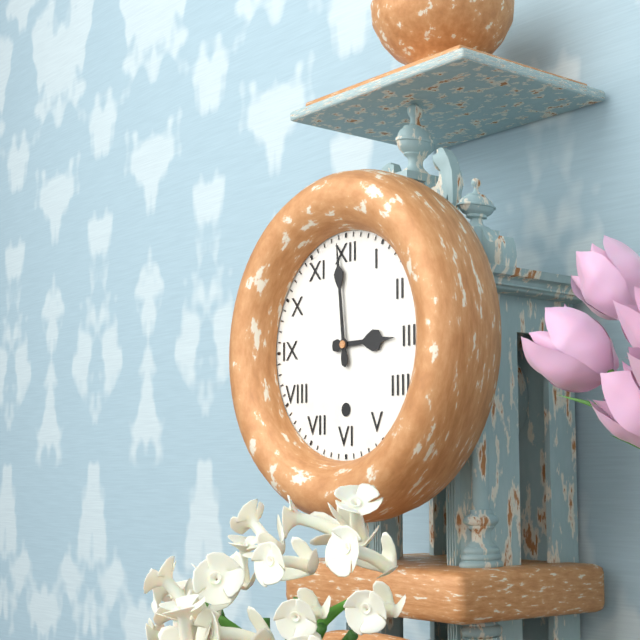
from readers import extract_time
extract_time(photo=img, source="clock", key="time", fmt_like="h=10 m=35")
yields h=2 m=59
